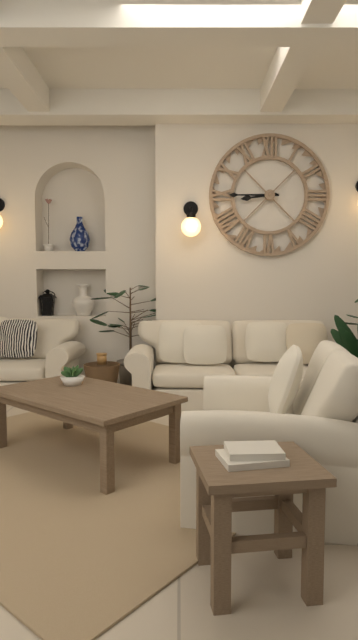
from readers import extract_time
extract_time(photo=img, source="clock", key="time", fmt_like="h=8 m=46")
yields h=8 m=45
